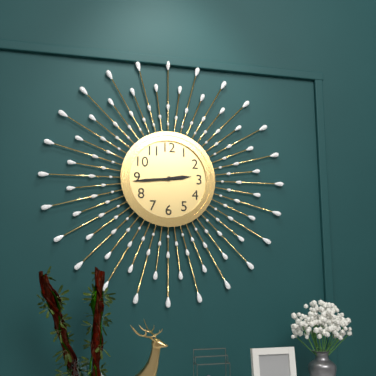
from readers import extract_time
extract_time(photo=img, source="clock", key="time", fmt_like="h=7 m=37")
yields h=2 m=44
